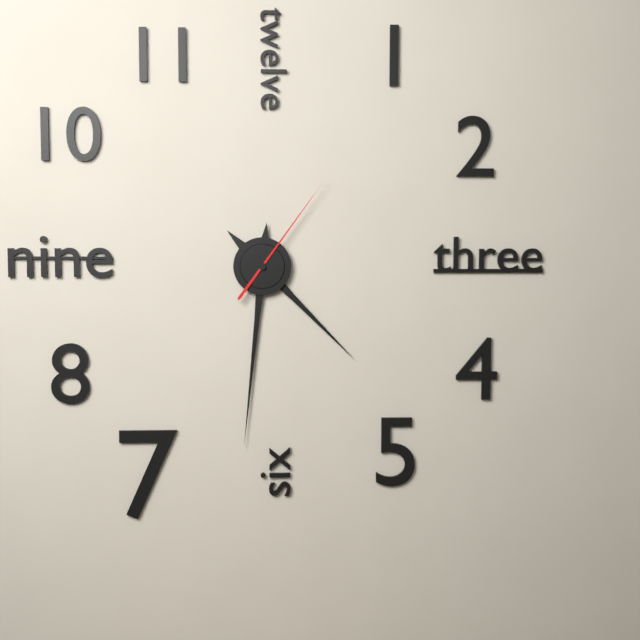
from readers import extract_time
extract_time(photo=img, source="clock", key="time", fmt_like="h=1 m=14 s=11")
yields h=4 m=31 s=6
